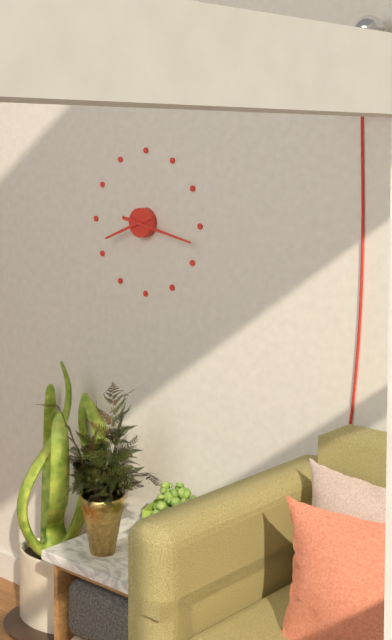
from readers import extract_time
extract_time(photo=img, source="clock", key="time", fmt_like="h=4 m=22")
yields h=8 m=17
